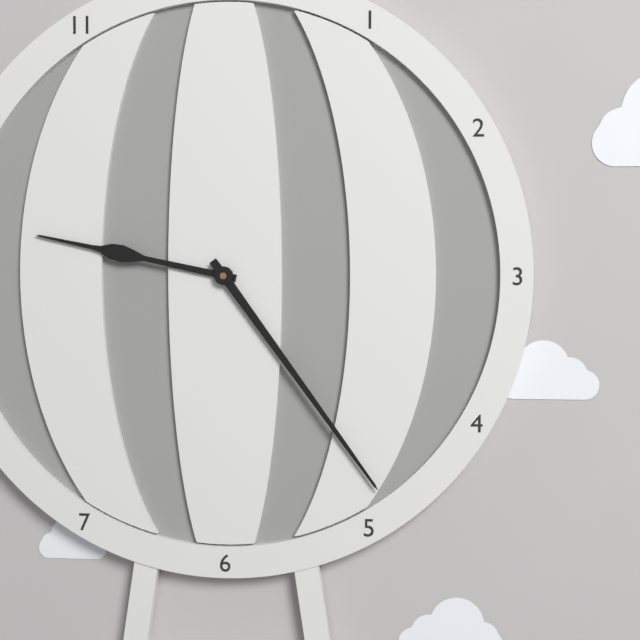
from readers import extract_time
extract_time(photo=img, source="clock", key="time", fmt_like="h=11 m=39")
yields h=9 m=24
